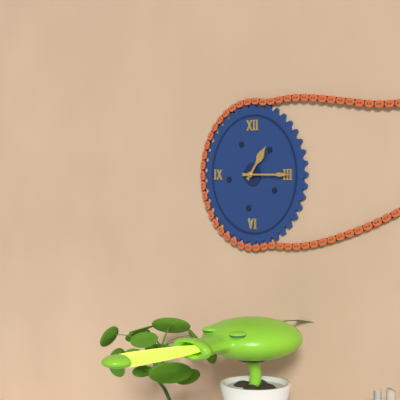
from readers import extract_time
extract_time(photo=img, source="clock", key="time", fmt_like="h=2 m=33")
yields h=1 m=15
